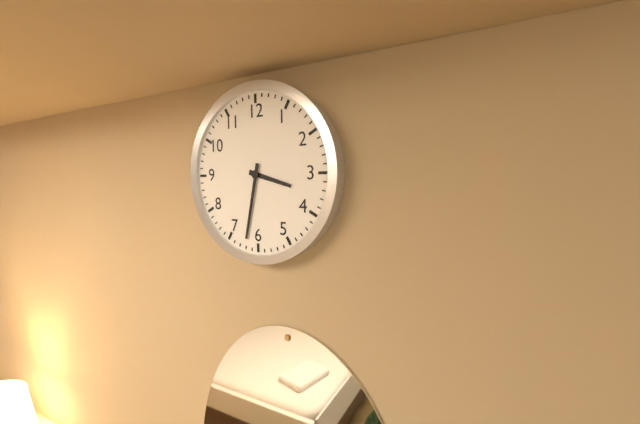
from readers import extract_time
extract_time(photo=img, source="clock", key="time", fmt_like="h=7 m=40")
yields h=3 m=32
